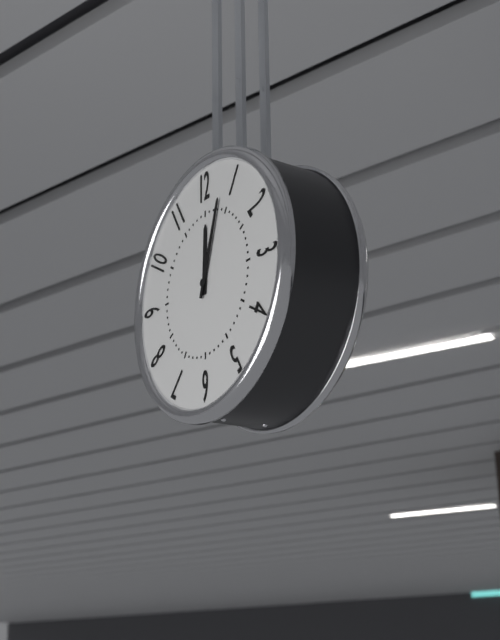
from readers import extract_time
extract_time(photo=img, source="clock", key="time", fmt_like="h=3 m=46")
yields h=12 m=3
